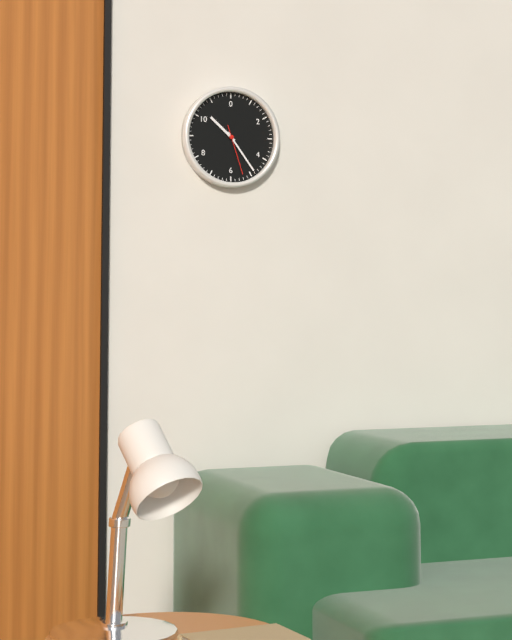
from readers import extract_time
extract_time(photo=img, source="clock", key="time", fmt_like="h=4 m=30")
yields h=10 m=24
